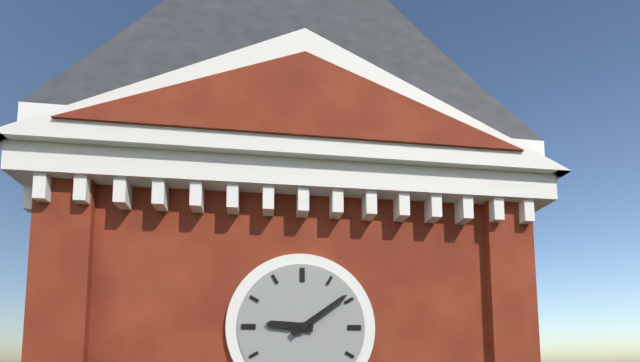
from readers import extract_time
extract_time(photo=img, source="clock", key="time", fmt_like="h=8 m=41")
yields h=9 m=9
